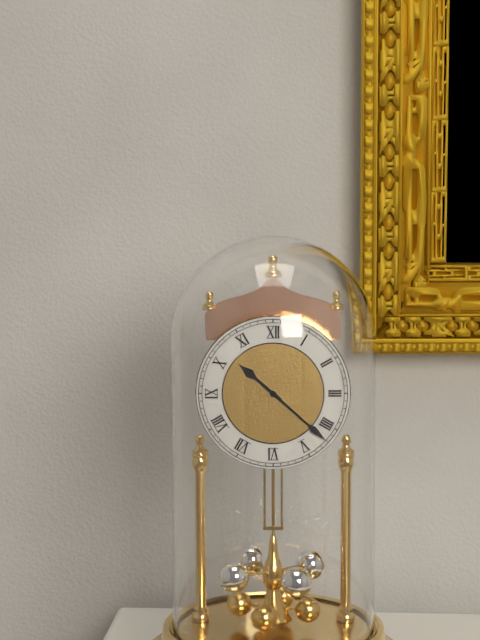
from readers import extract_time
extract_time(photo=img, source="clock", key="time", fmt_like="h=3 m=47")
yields h=10 m=22
